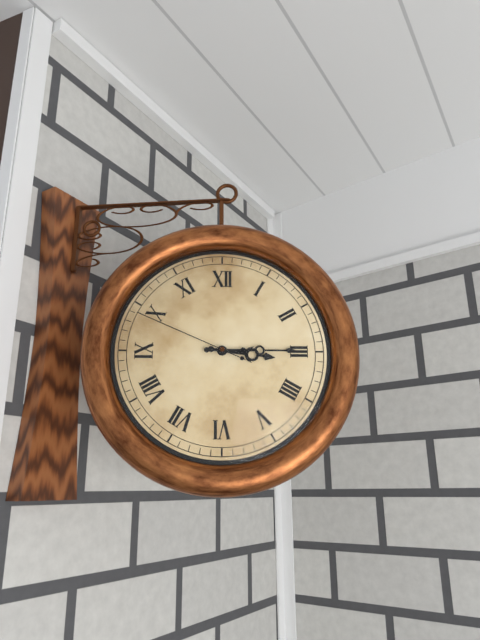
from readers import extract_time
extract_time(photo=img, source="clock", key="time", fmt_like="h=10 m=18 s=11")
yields h=3 m=15 s=49
